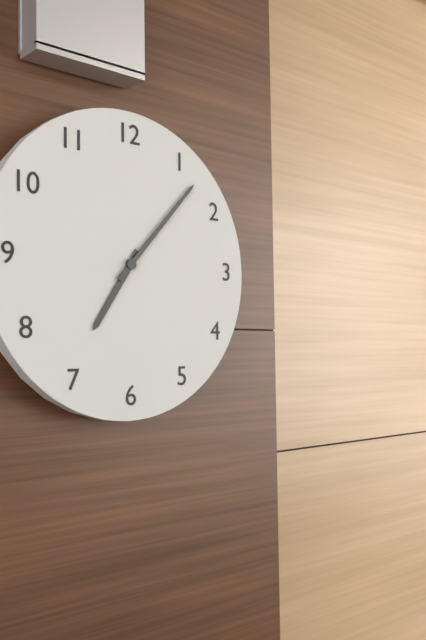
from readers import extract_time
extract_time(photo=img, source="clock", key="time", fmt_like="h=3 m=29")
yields h=7 m=7
